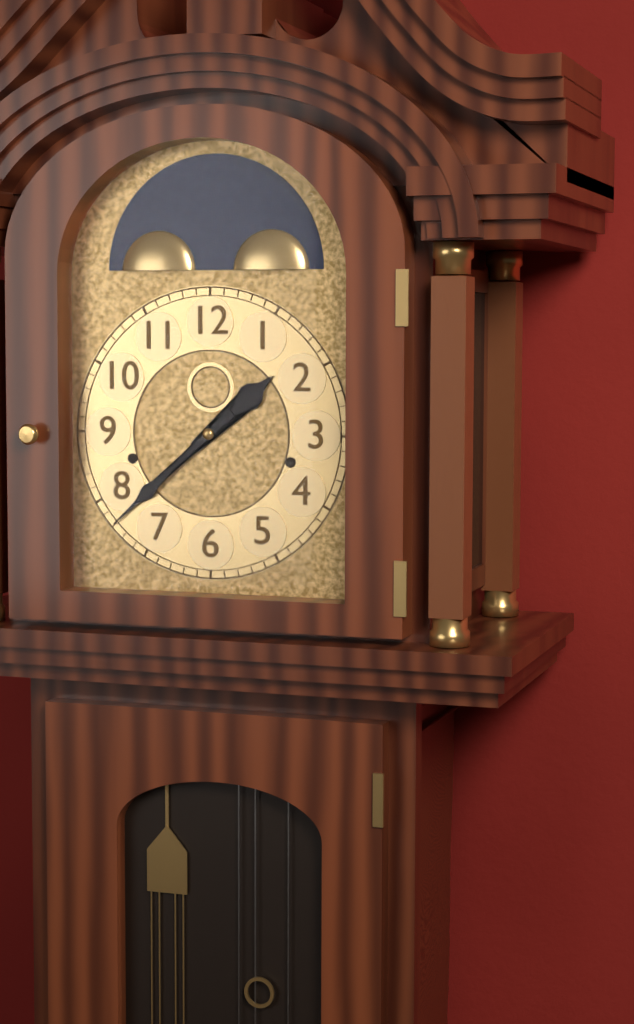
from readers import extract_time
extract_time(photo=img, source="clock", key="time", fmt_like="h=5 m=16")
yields h=1 m=38
